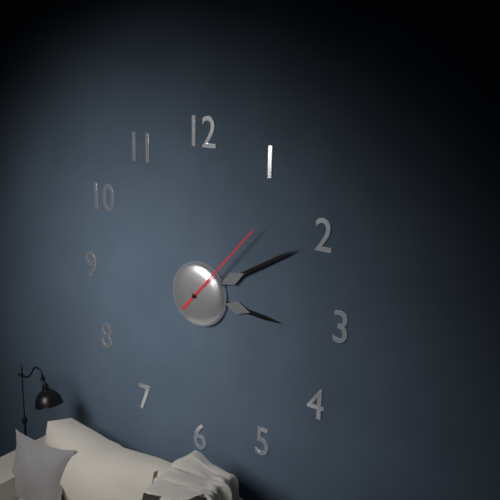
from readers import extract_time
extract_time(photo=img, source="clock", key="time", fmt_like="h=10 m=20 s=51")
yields h=3 m=10 s=7
